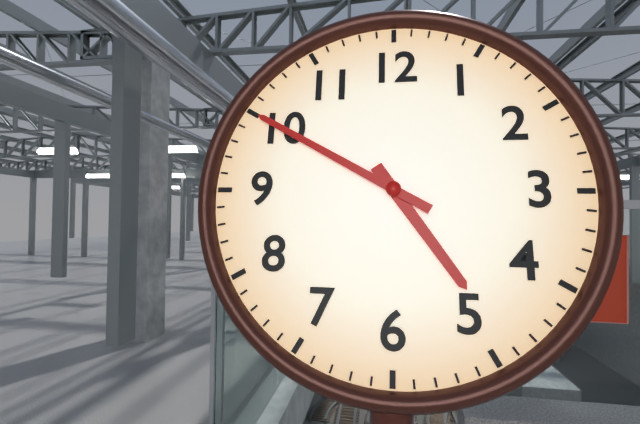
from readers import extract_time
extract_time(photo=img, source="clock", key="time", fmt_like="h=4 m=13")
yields h=4 m=50
